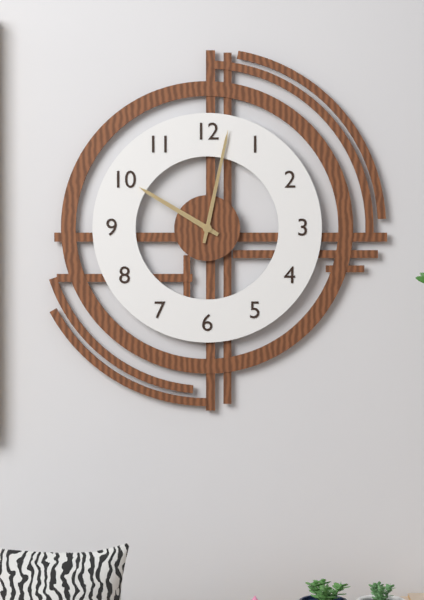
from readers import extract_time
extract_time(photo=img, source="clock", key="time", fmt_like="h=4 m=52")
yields h=10 m=2
